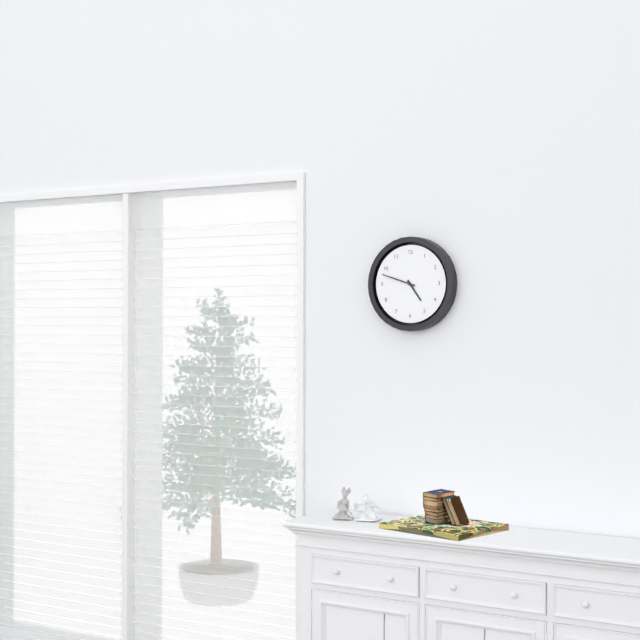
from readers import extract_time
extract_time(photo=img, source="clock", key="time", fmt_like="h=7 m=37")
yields h=4 m=48
